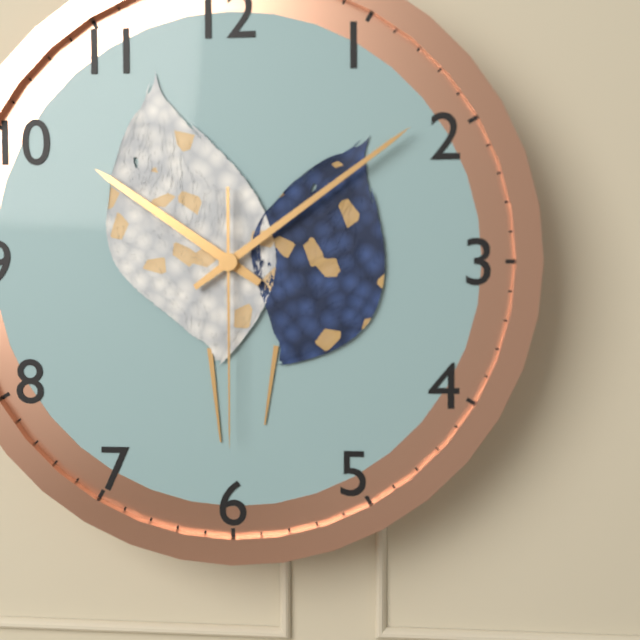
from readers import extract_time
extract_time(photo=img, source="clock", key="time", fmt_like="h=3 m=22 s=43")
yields h=10 m=9 s=30
